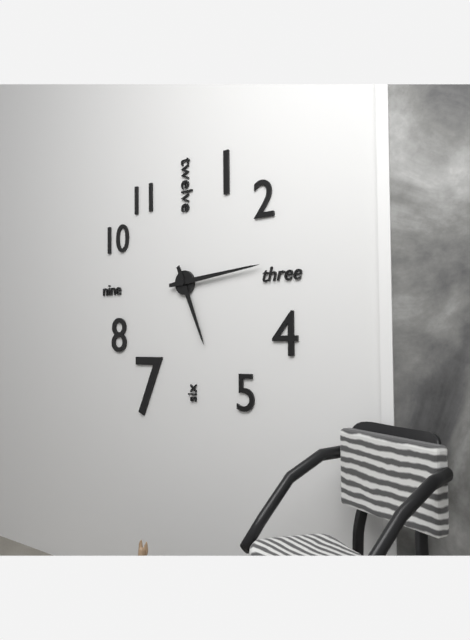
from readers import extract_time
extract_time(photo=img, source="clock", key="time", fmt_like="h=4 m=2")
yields h=5 m=14
